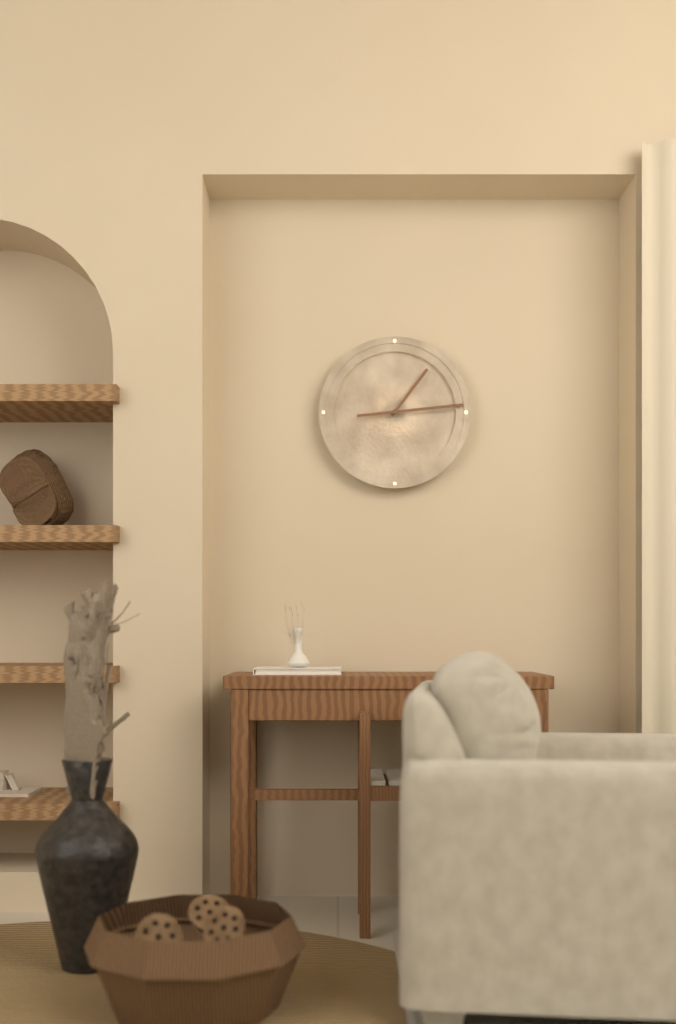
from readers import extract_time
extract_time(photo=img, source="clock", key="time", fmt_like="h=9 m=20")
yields h=1 m=14
